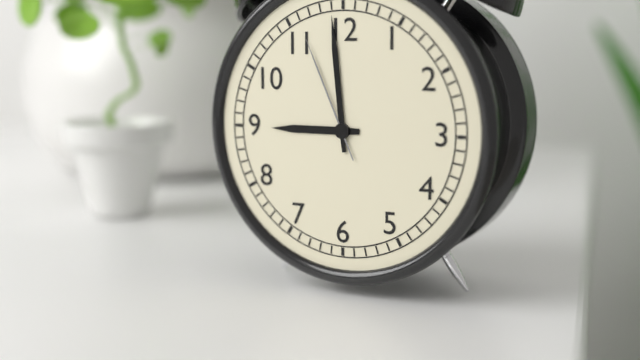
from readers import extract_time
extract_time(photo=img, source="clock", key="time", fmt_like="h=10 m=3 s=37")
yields h=8 m=59 s=56
